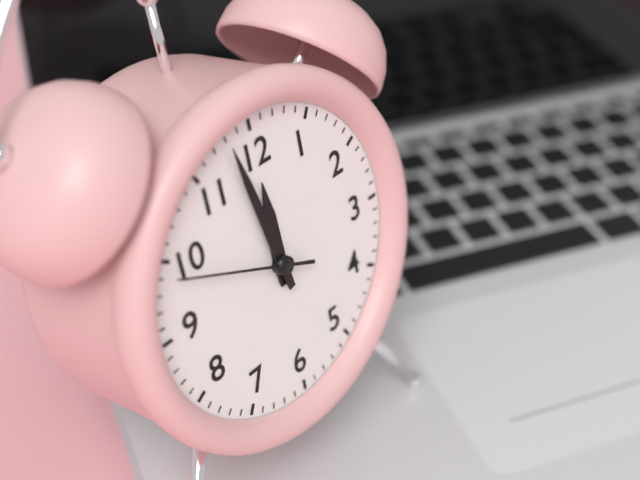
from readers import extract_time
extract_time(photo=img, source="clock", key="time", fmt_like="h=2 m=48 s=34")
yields h=11 m=58 s=49
